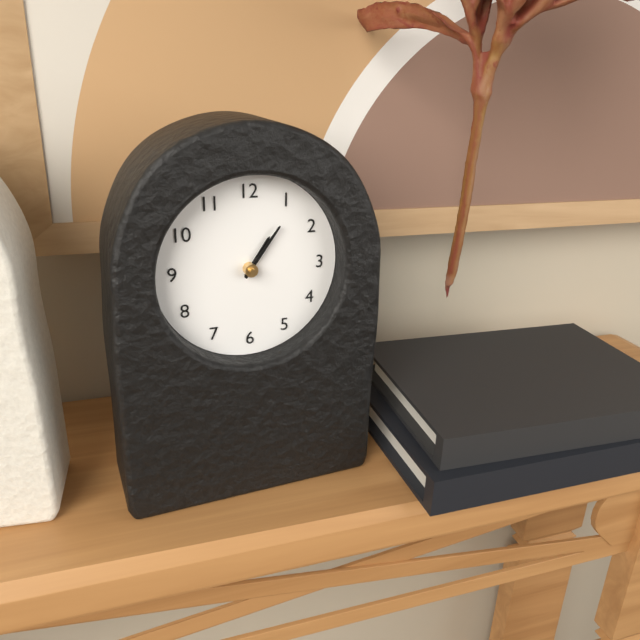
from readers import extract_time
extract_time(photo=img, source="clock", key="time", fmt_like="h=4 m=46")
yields h=1 m=6
